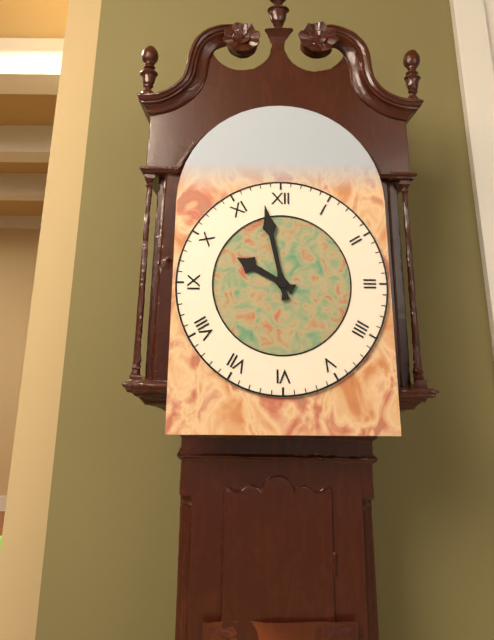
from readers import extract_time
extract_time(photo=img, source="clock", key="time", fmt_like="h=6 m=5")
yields h=9 m=58
